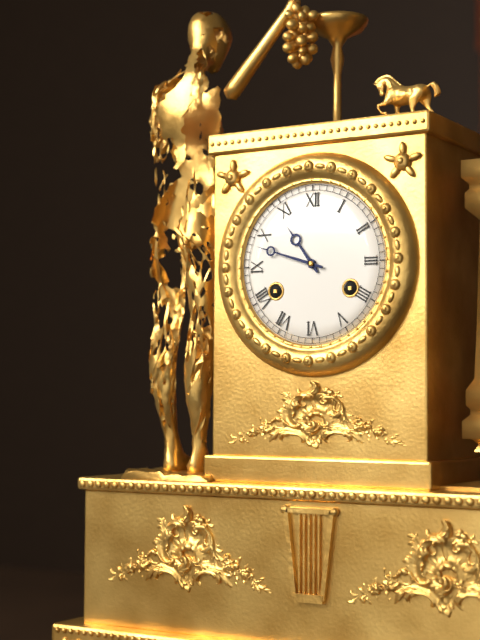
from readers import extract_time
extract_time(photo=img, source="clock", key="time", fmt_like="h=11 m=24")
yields h=10 m=48
